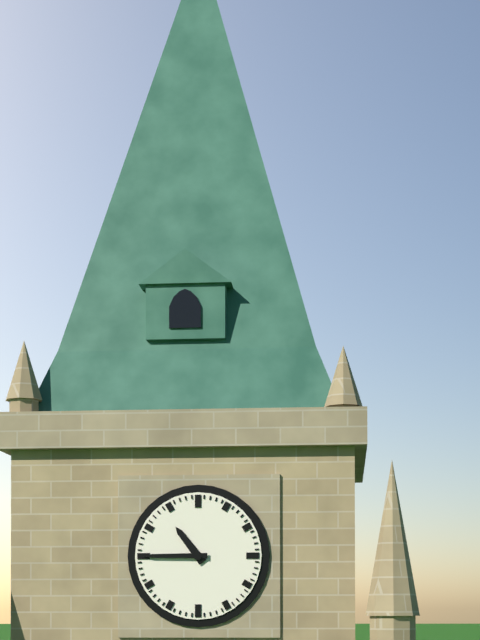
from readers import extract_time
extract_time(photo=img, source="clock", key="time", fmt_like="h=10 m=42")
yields h=10 m=45
